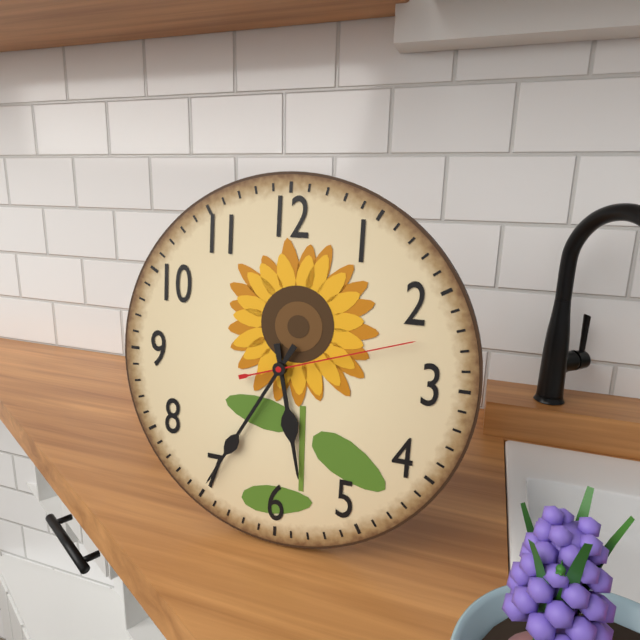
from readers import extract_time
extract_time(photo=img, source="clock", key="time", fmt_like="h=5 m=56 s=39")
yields h=5 m=35 s=12
